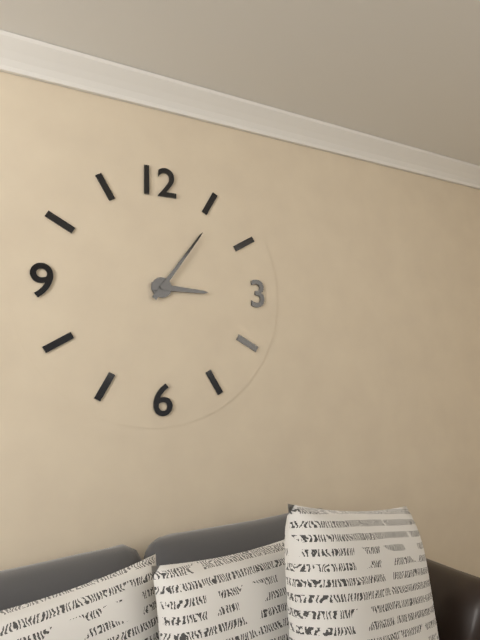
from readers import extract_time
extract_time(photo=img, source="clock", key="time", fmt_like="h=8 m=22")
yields h=3 m=6
